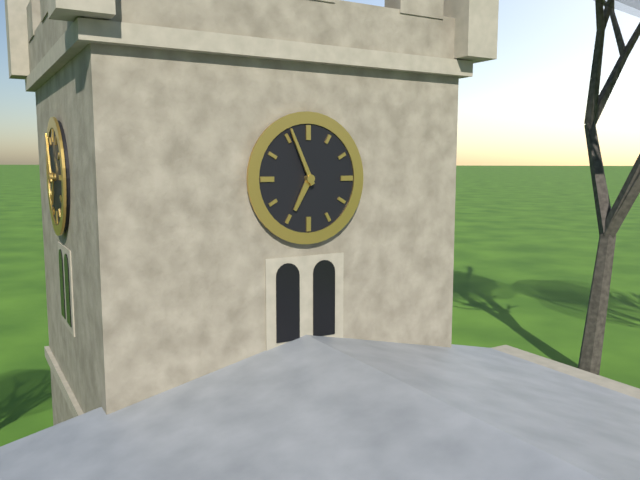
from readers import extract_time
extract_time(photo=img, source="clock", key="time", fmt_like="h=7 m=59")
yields h=6 m=56
